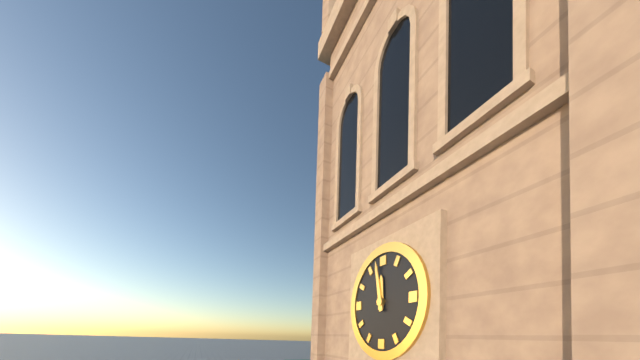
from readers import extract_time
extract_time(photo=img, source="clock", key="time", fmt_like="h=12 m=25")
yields h=11 m=58
